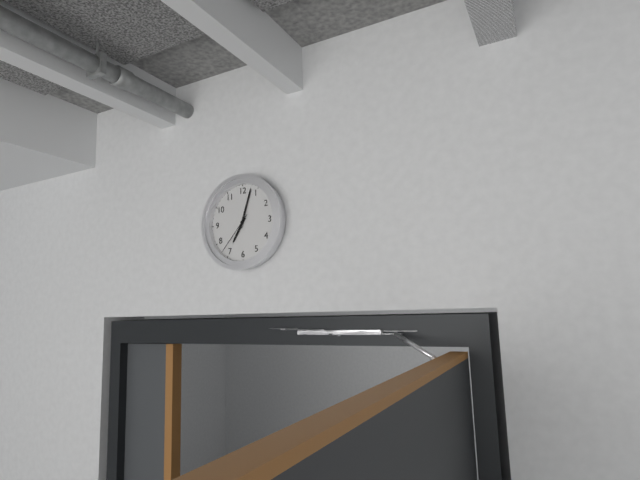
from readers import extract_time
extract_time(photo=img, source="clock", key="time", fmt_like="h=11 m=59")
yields h=7 m=3
